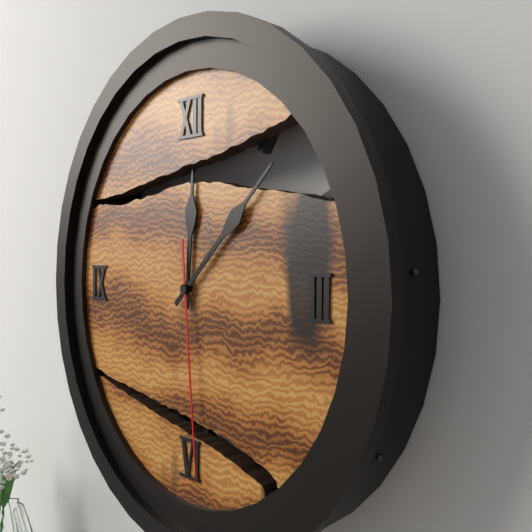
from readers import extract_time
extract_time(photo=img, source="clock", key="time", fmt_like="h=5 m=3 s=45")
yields h=12 m=8 s=29
